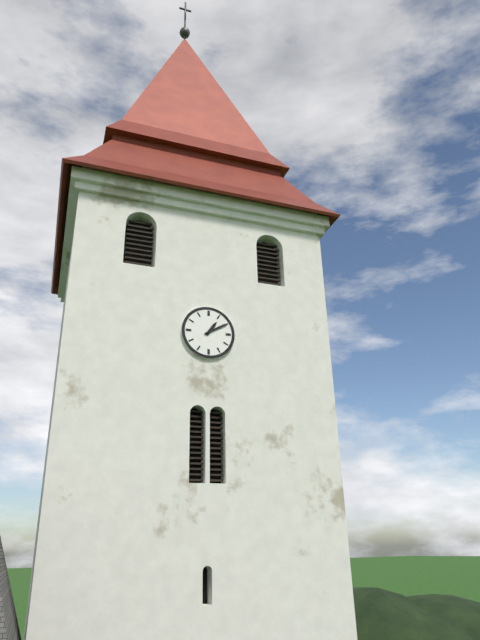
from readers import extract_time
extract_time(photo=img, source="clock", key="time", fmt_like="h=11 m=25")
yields h=1 m=10
